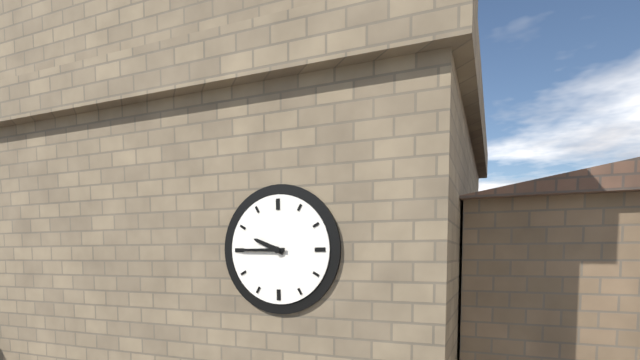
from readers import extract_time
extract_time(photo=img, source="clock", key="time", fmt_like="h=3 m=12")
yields h=9 m=45
